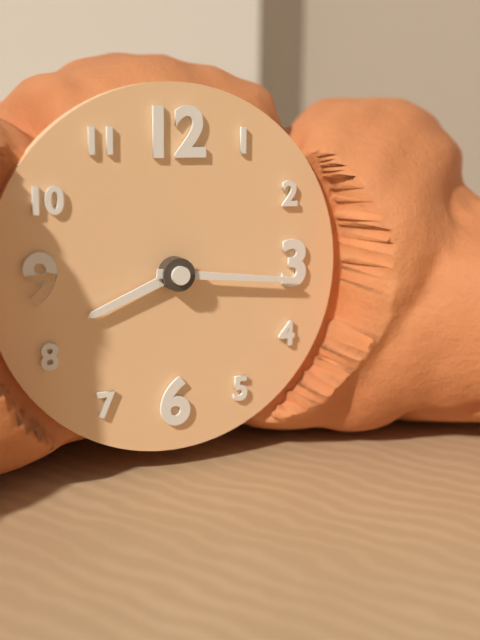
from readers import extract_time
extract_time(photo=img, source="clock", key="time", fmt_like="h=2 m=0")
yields h=8 m=16
